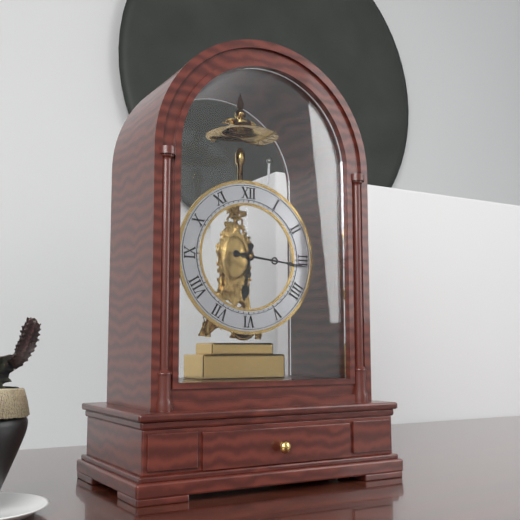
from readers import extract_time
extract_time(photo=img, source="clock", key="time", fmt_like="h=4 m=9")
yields h=6 m=16
